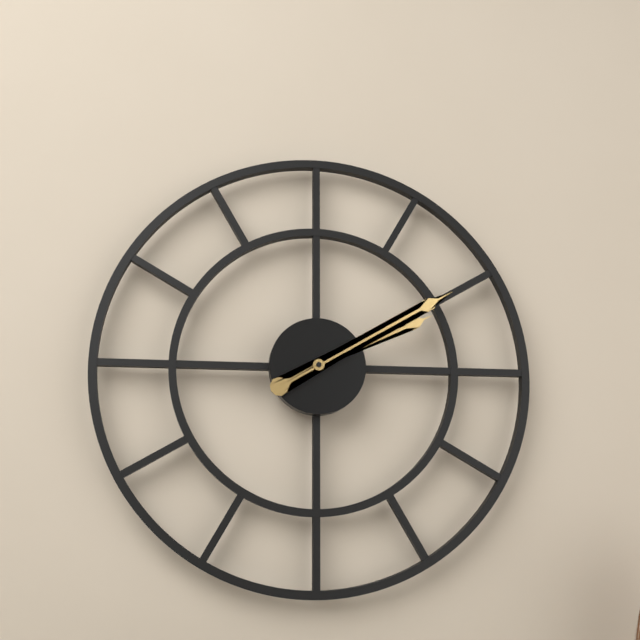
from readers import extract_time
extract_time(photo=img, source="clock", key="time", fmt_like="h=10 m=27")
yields h=2 m=10
